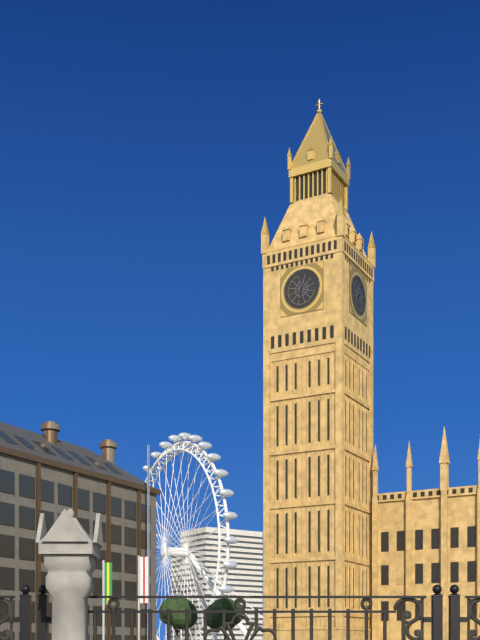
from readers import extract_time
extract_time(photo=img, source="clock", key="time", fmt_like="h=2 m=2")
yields h=6 m=6
